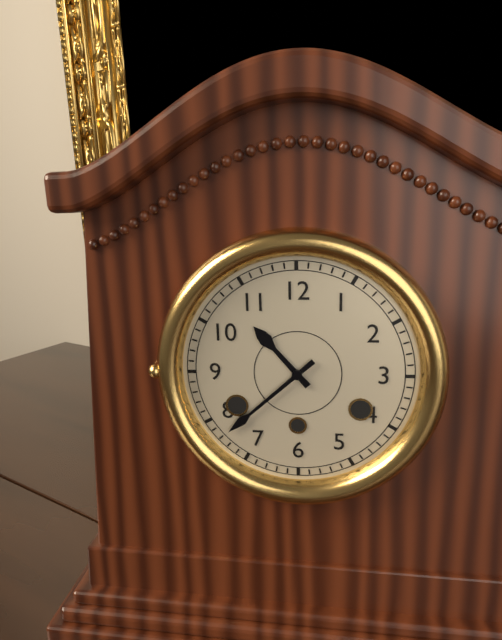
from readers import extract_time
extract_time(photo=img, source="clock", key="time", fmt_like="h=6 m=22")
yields h=10 m=38
